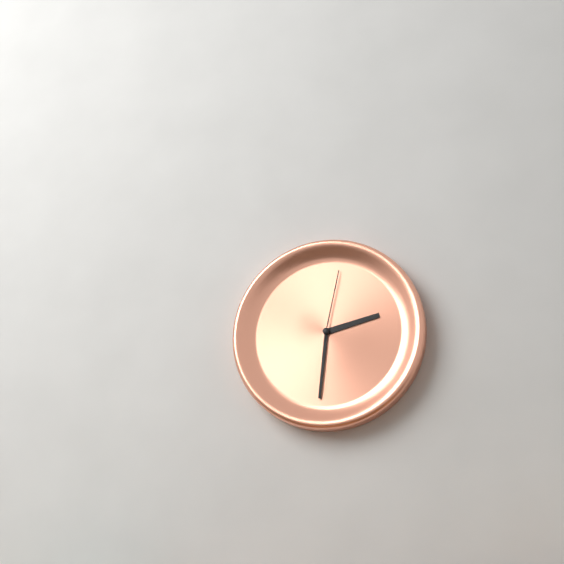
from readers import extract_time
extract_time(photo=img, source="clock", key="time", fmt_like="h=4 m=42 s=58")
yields h=2 m=31 s=2
